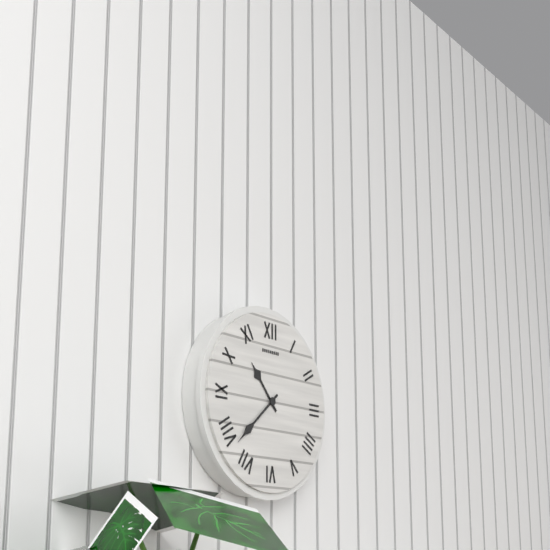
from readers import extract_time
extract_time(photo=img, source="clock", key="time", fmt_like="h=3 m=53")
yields h=10 m=38
